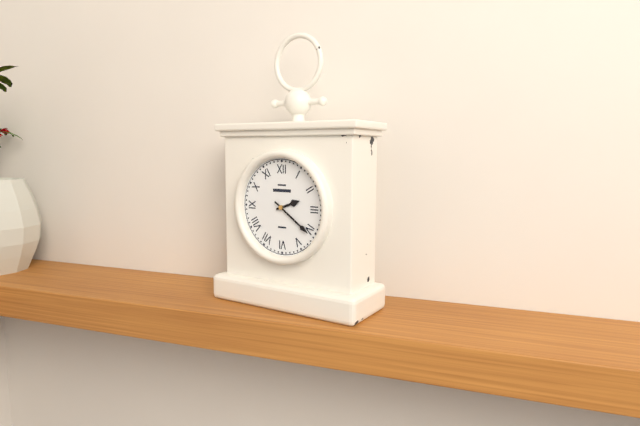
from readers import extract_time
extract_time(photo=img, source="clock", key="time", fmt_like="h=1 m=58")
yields h=2 m=21
